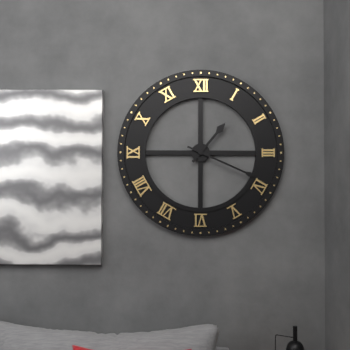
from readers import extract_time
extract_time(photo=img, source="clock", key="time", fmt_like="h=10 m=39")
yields h=1 m=19
